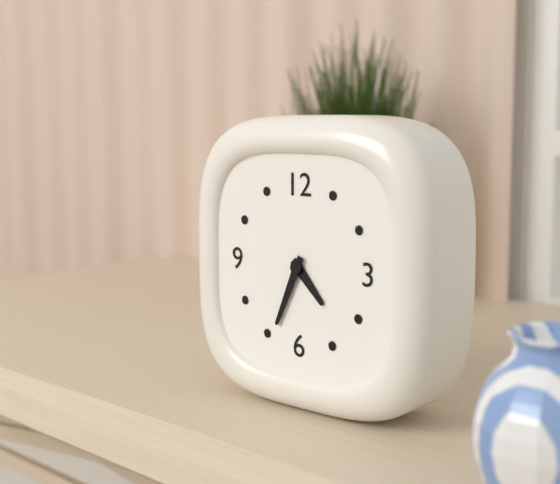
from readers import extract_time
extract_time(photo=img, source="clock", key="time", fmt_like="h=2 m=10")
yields h=4 m=34
